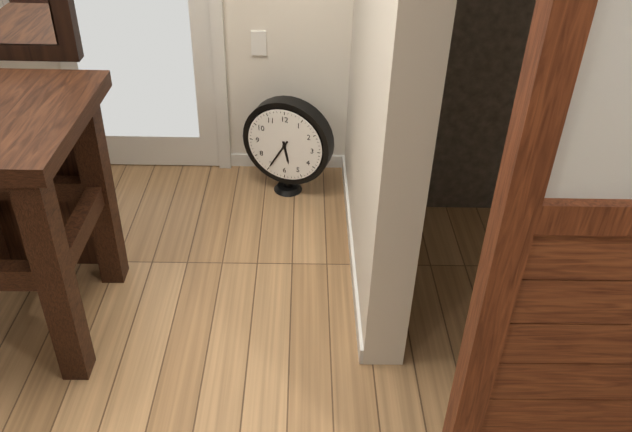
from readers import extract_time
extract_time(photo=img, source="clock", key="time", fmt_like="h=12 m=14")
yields h=5 m=35
